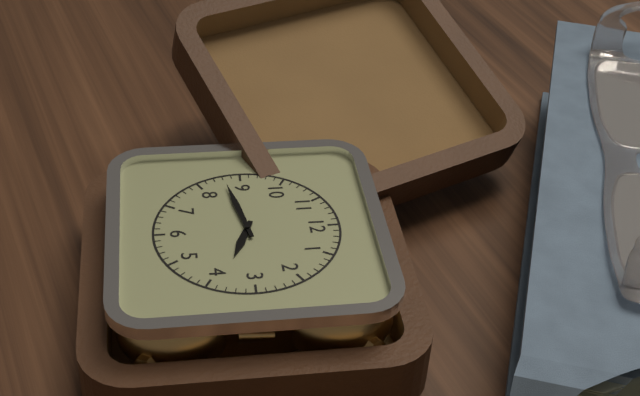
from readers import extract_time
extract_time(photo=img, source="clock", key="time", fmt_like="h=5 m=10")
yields h=3 m=43
